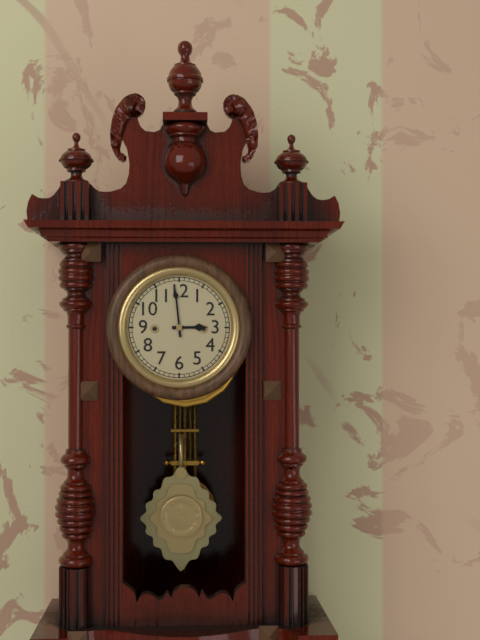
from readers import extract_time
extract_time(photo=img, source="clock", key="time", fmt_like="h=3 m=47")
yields h=2 m=59
